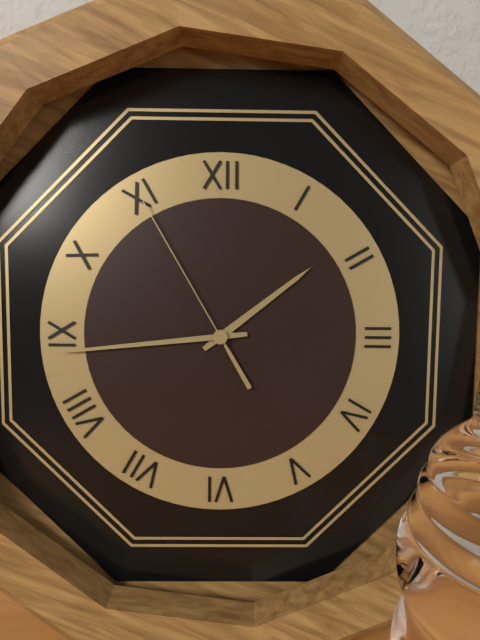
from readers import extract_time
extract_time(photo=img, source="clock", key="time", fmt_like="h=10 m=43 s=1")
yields h=1 m=44 s=55
